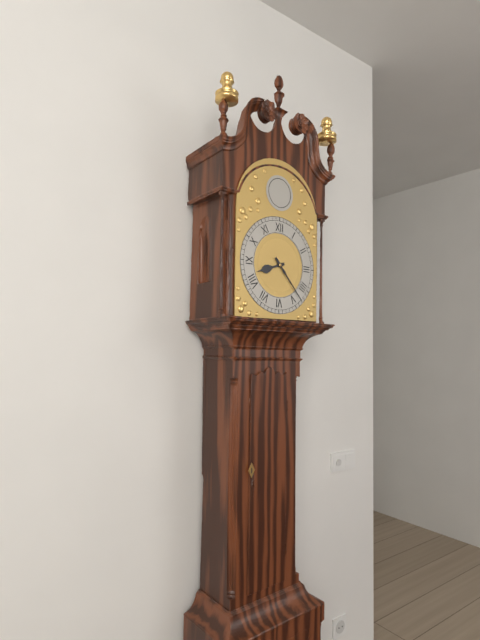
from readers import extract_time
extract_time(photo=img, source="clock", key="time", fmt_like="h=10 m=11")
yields h=8 m=23
